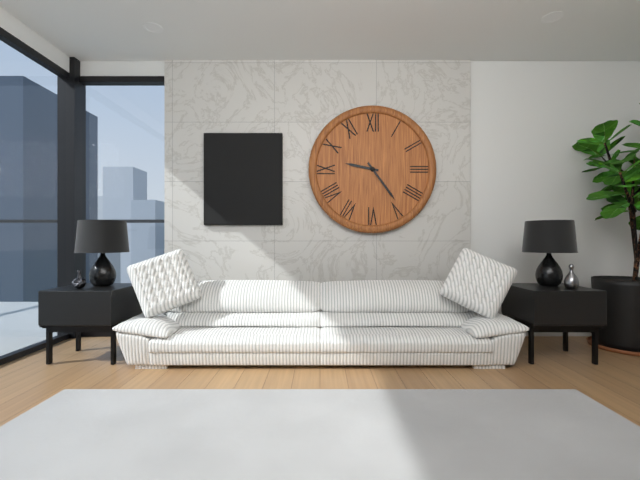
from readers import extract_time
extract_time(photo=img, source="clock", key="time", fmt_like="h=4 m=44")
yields h=9 m=24
